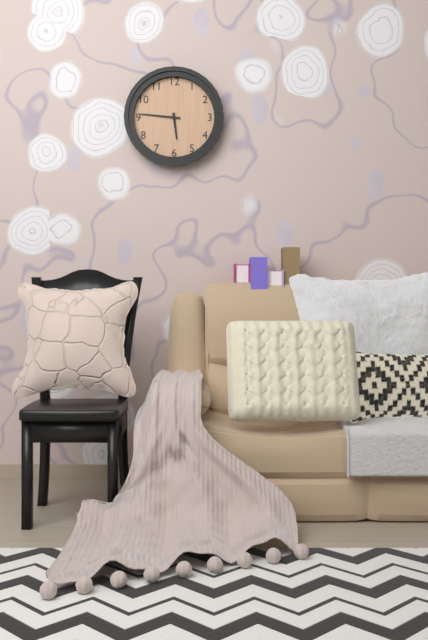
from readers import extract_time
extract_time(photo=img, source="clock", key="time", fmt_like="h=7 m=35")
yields h=5 m=46
